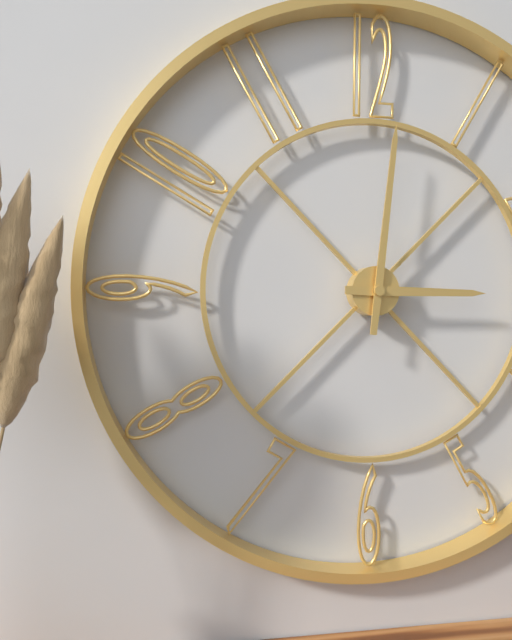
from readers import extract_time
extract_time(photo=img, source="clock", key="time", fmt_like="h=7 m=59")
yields h=3 m=1
